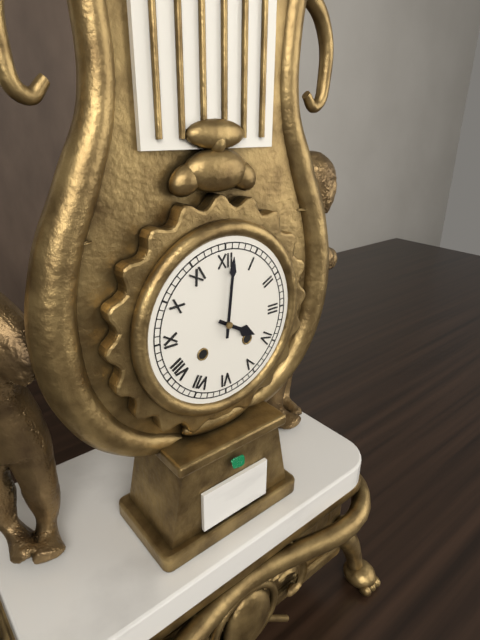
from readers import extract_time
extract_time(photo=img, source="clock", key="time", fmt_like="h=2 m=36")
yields h=4 m=1
